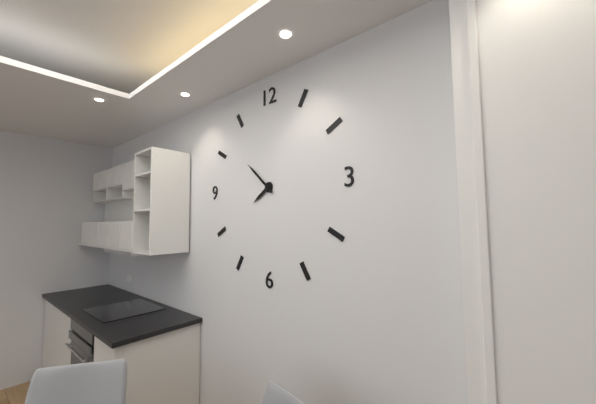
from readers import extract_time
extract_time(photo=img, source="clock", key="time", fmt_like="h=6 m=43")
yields h=7 m=52
